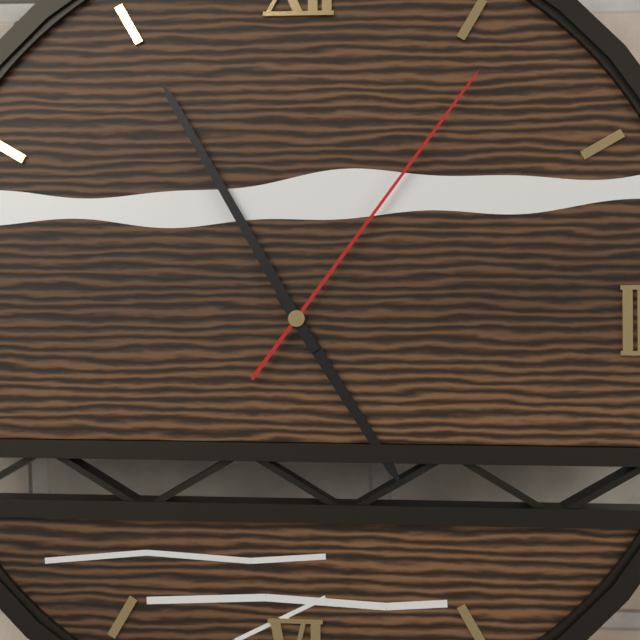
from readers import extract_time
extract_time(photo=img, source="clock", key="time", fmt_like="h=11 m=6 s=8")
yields h=4 m=55 s=6
